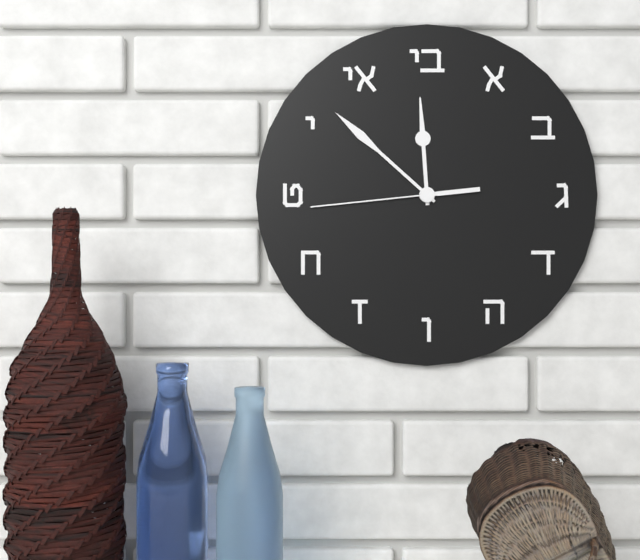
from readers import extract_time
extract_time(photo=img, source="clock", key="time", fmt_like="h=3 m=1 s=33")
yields h=11 m=52 s=44
